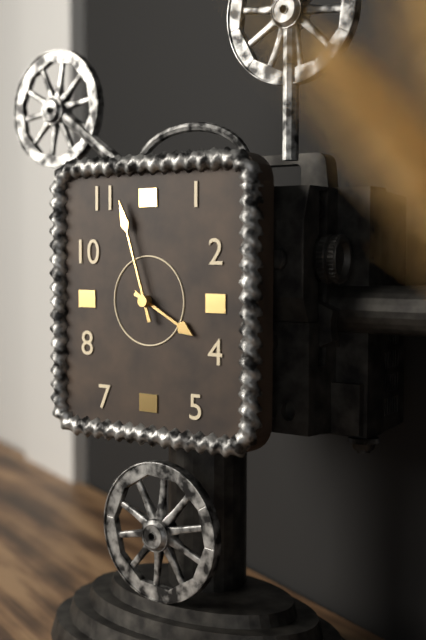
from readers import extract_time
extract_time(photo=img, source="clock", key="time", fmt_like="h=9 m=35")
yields h=3 m=57
